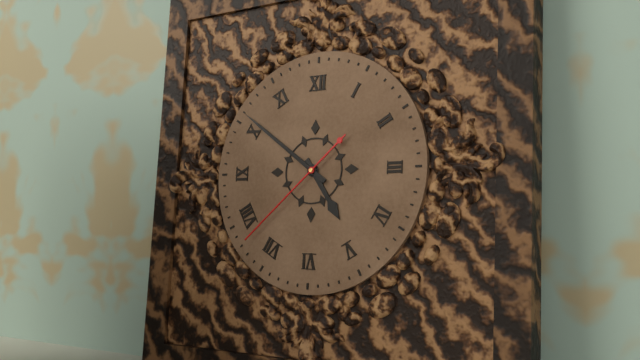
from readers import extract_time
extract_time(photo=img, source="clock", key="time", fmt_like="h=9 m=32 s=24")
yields h=4 m=51 s=38
